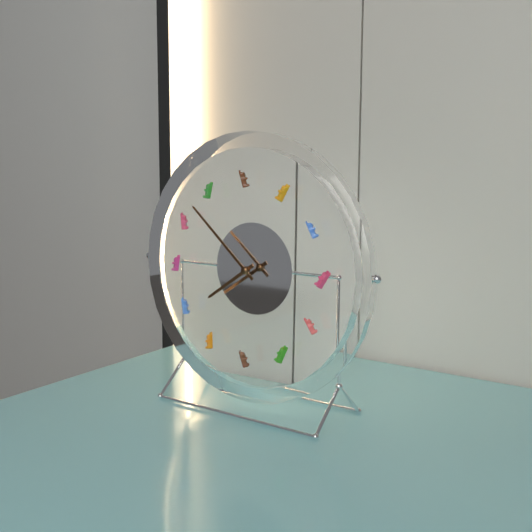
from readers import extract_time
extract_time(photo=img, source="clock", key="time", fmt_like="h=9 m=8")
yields h=7 m=52
